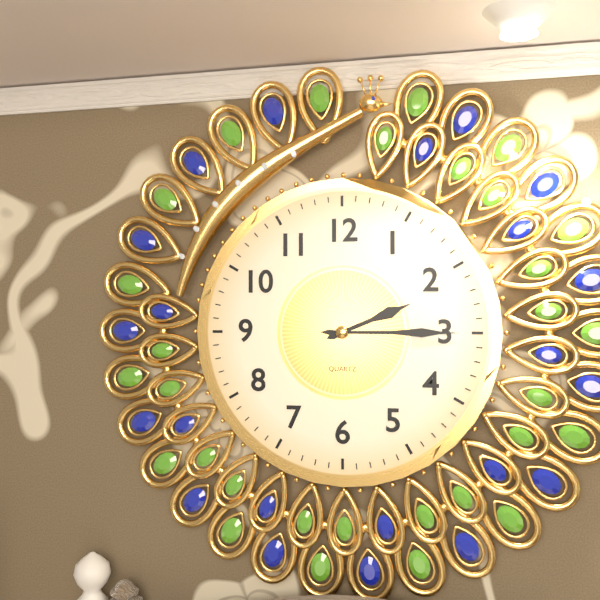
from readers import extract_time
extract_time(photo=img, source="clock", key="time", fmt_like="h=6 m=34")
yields h=2 m=15
